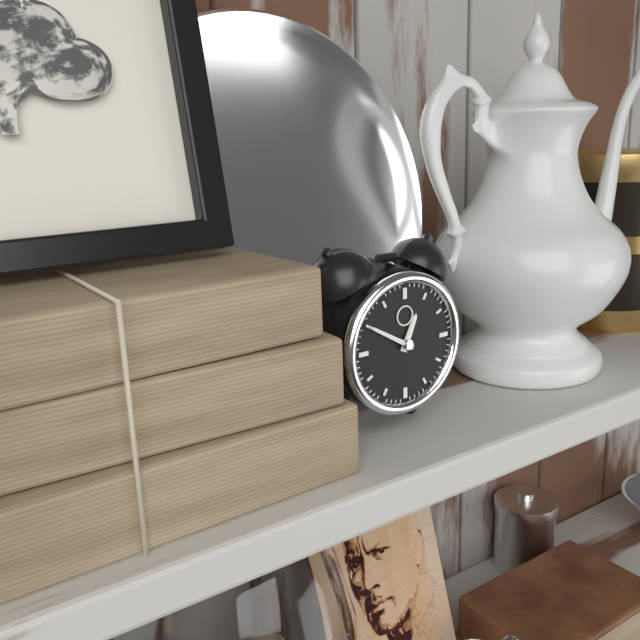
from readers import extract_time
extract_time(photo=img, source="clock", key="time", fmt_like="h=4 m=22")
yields h=12 m=50
